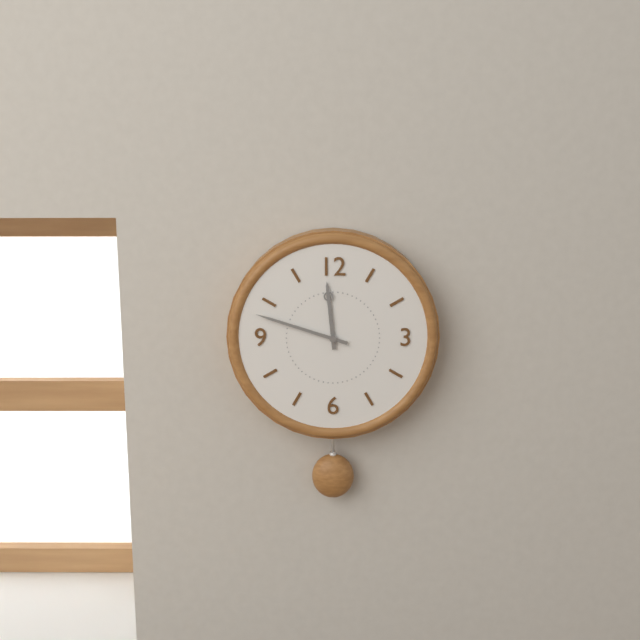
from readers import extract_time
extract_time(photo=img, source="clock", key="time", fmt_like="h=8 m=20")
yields h=11 m=48
